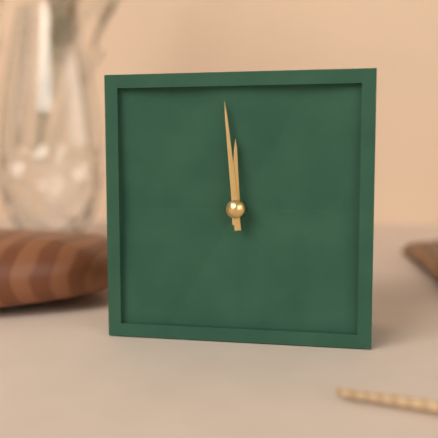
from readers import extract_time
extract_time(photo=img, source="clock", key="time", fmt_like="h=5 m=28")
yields h=11 m=59
